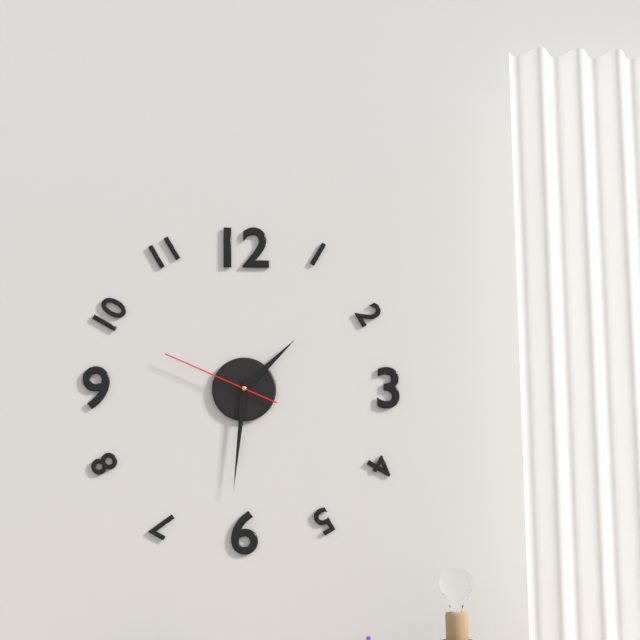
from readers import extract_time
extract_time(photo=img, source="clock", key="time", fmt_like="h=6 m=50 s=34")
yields h=1 m=31 s=49
